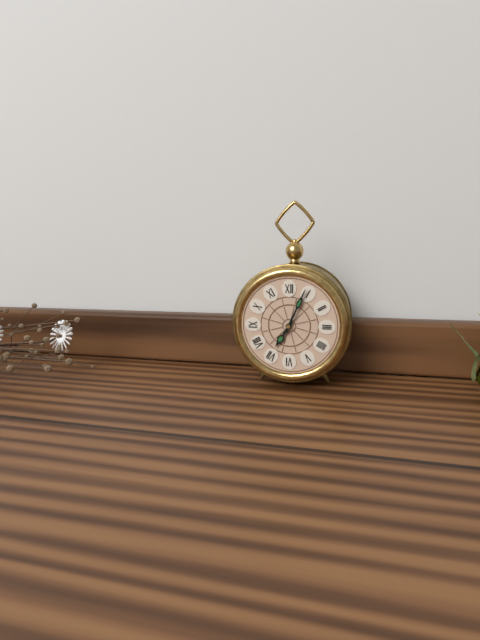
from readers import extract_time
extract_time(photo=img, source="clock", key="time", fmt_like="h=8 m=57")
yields h=7 m=4
